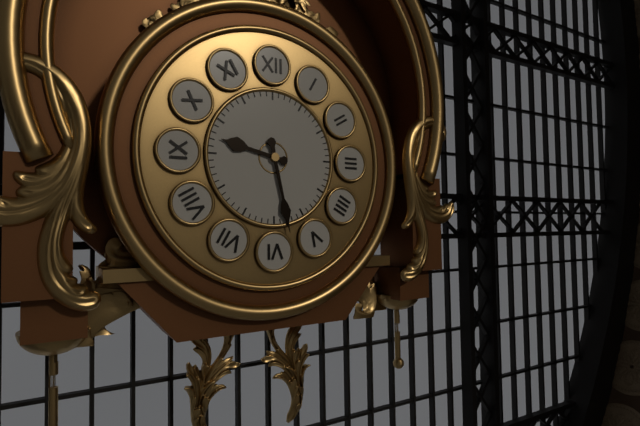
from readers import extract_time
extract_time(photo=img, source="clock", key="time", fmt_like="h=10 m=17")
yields h=9 m=28
